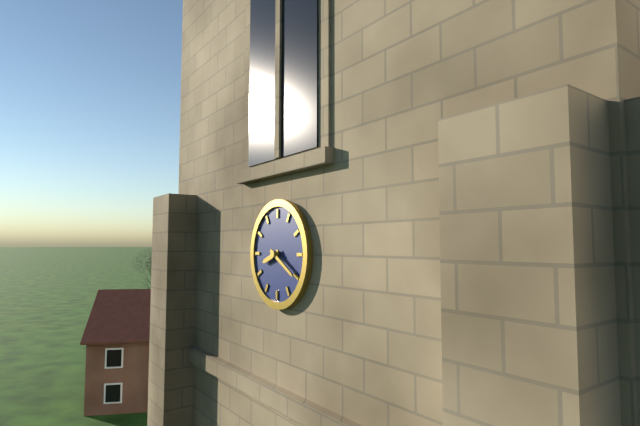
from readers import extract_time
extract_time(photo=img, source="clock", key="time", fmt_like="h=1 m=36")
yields h=8 m=20
